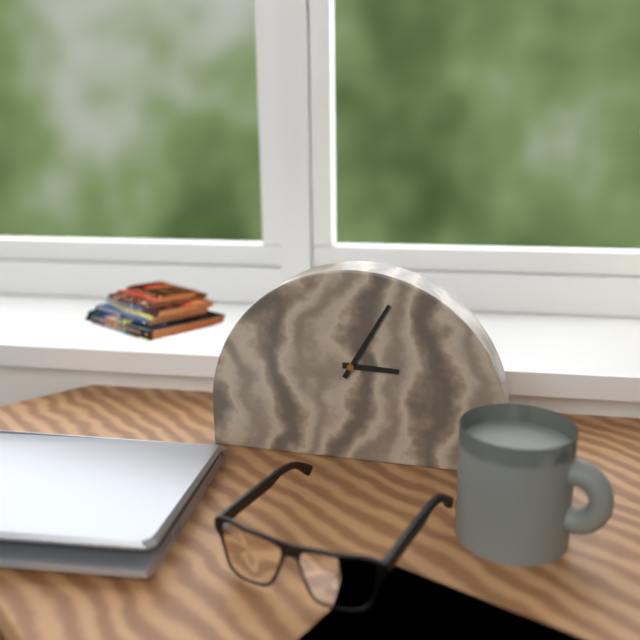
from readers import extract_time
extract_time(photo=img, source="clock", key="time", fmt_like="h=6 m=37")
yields h=3 m=5
